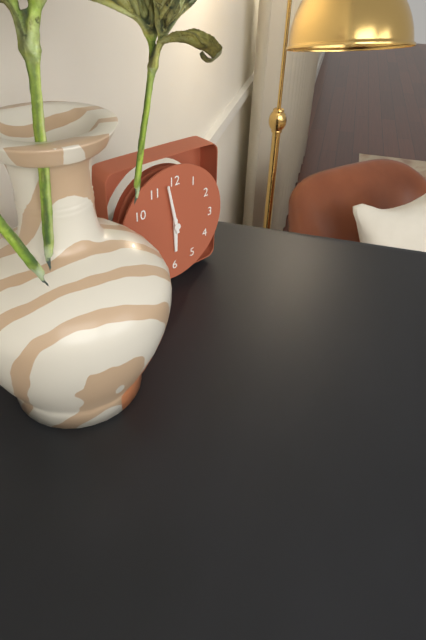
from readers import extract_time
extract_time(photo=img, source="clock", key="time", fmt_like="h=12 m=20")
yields h=5 m=58
